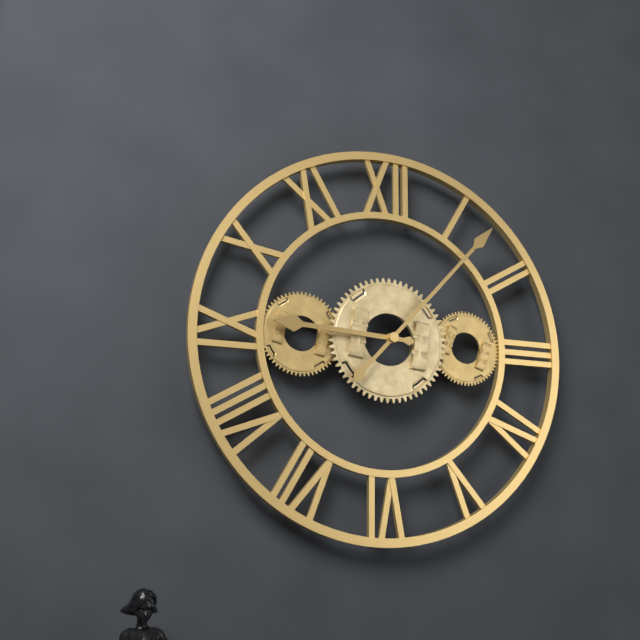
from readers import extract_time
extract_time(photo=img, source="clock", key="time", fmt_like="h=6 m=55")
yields h=9 m=7
